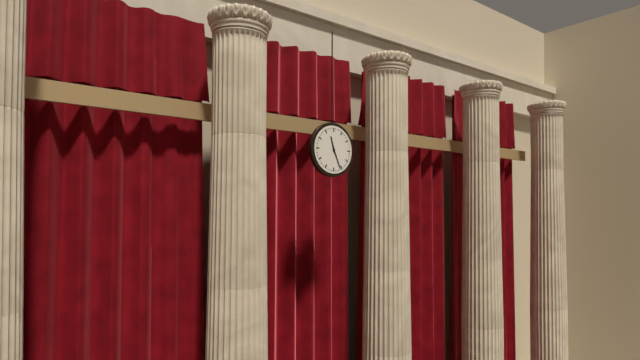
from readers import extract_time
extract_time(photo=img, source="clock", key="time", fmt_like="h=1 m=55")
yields h=11 m=26
